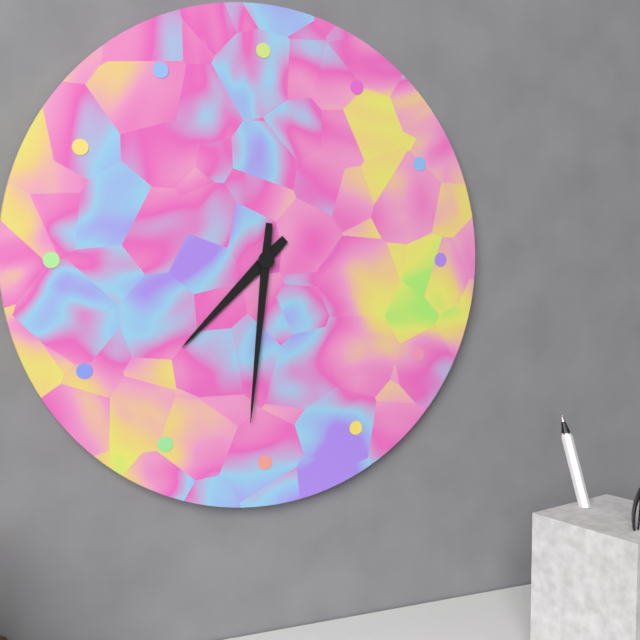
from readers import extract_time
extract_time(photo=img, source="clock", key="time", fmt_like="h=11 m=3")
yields h=7 m=31
